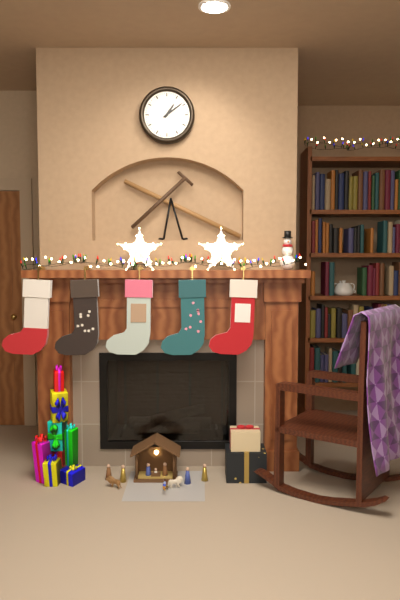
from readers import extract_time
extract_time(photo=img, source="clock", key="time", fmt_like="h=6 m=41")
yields h=1 m=9
